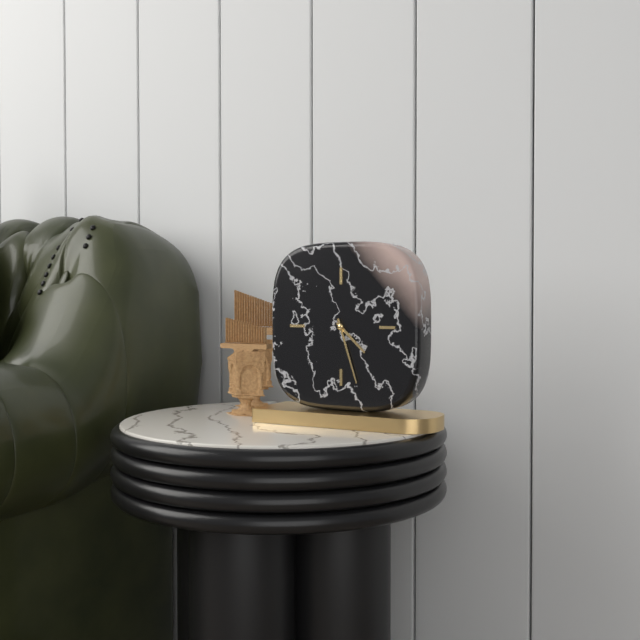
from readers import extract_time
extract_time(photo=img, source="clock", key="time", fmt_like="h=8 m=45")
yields h=4 m=27
